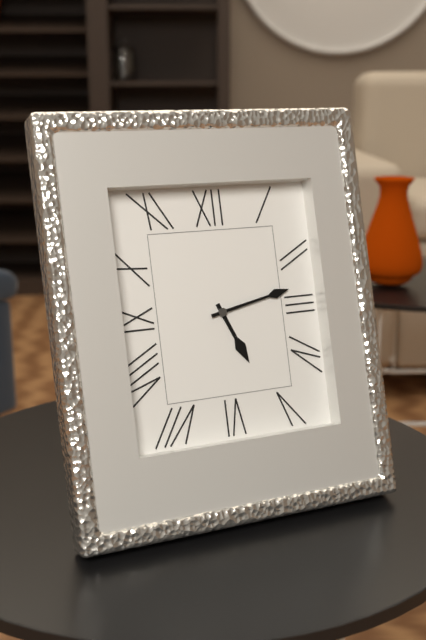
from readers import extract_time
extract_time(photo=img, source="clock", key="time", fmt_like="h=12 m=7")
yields h=5 m=13
